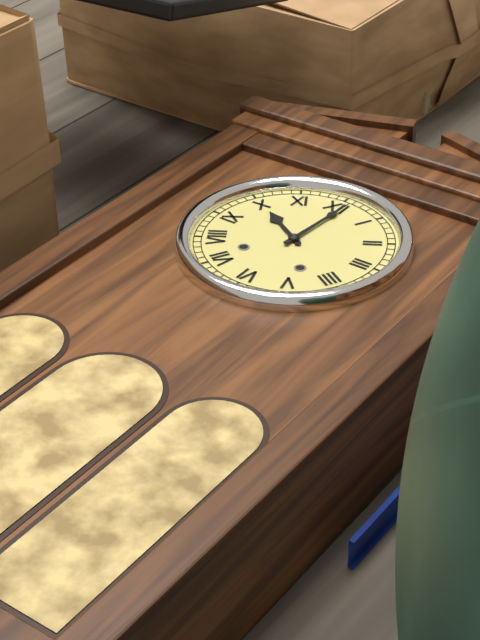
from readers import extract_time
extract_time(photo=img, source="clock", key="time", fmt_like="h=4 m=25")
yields h=10 m=1
